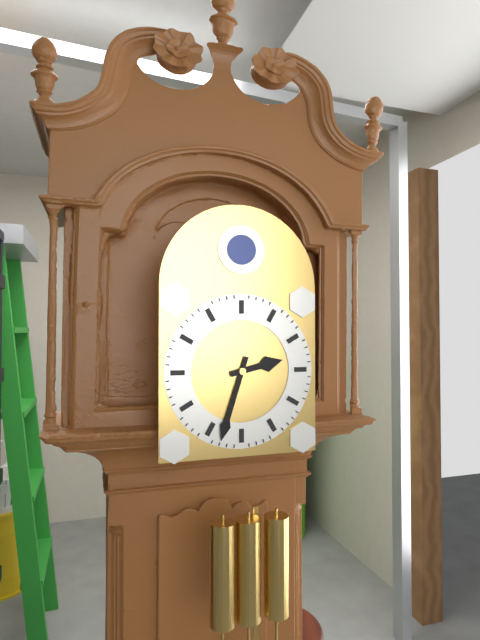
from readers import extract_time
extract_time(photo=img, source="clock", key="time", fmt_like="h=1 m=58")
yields h=2 m=33
